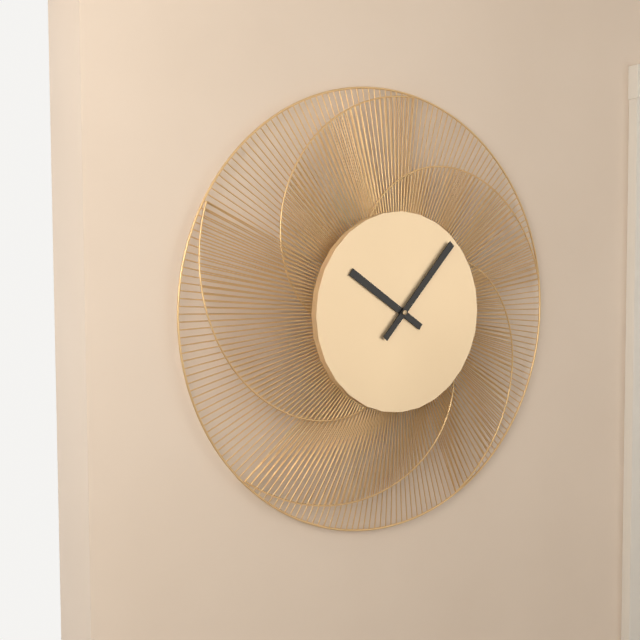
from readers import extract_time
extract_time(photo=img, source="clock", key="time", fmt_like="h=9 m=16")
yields h=10 m=7
